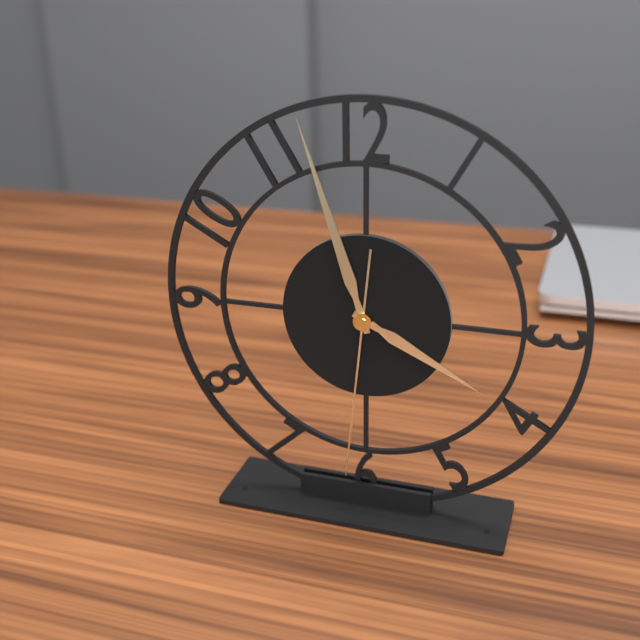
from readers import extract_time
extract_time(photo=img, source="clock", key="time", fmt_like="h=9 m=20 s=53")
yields h=3 m=57 s=31
